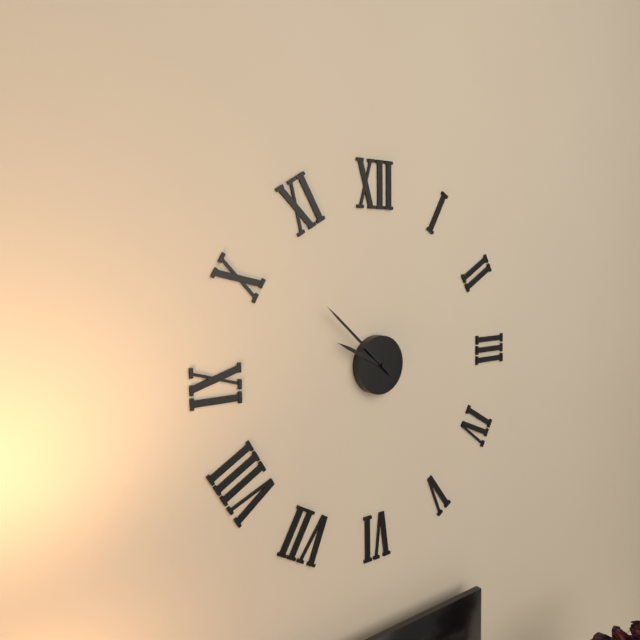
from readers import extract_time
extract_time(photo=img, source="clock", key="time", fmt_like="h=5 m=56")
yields h=9 m=52
